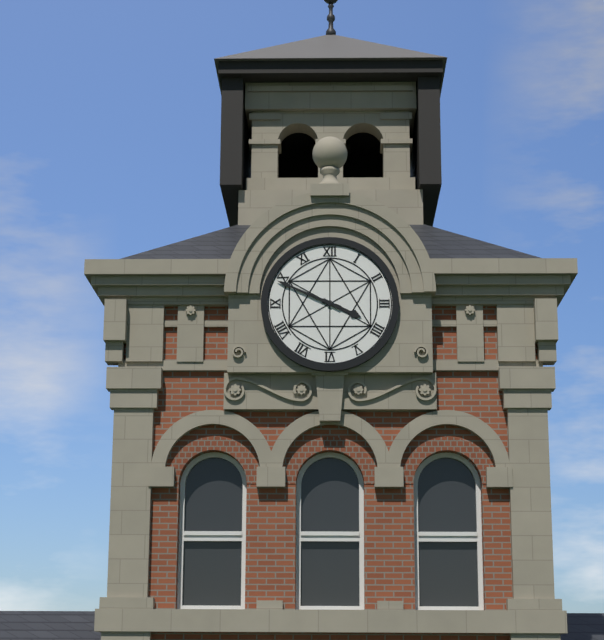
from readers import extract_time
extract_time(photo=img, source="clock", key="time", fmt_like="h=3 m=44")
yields h=3 m=49
